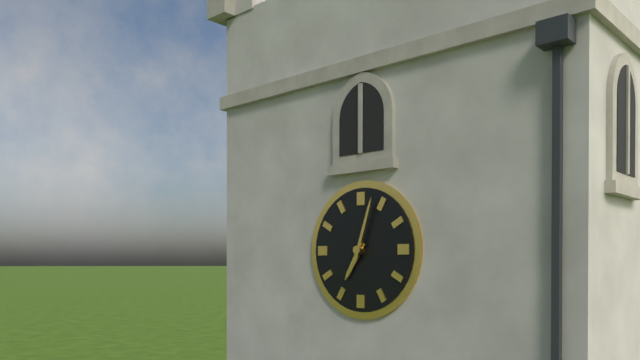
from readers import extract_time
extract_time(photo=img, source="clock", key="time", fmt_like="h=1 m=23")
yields h=7 m=3
